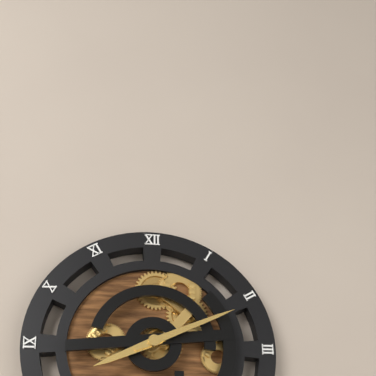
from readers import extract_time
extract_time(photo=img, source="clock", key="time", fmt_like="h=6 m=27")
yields h=8 m=11
